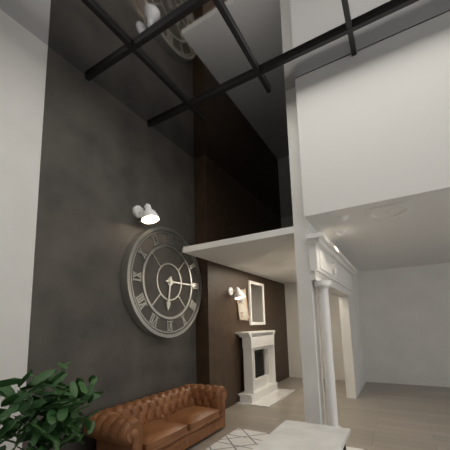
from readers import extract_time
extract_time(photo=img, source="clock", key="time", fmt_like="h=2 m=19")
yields h=6 m=15
